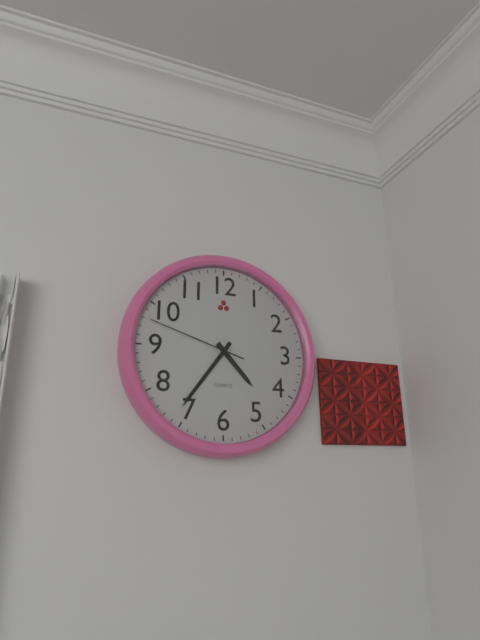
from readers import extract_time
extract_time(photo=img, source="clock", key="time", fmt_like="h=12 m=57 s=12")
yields h=4 m=36 s=48
